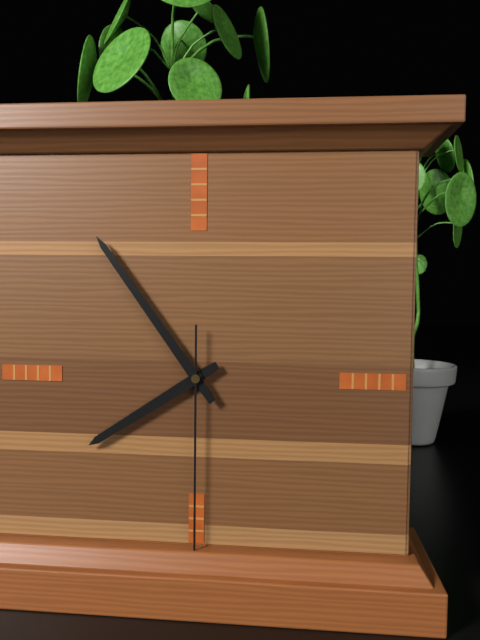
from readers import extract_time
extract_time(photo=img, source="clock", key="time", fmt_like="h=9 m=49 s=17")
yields h=7 m=54 s=30
